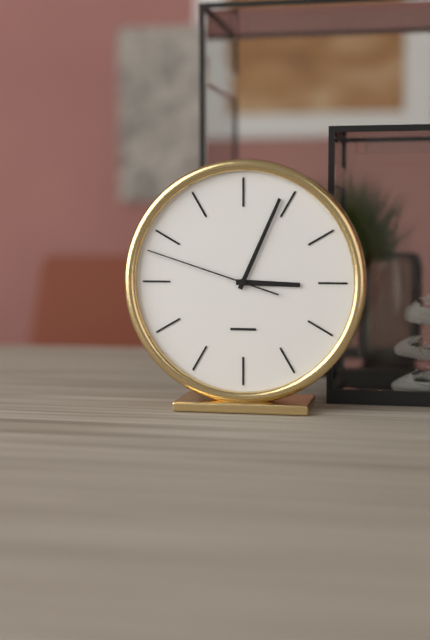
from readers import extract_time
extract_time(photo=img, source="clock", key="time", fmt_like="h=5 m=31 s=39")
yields h=3 m=4 s=48
